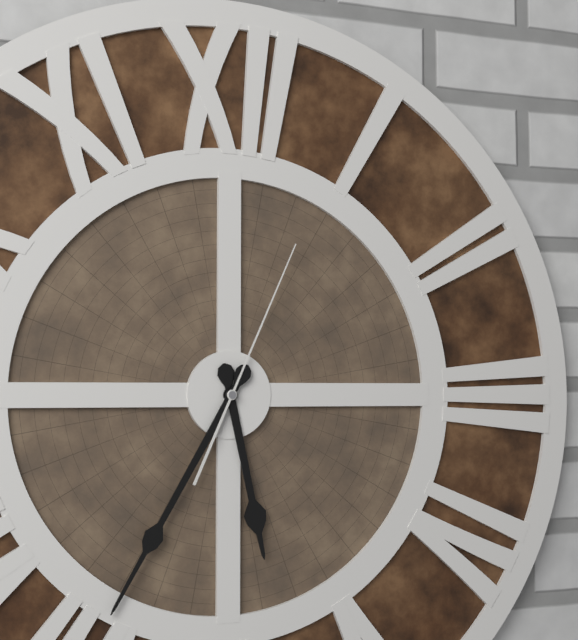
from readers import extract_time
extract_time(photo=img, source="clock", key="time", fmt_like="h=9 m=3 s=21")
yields h=5 m=35 s=4
